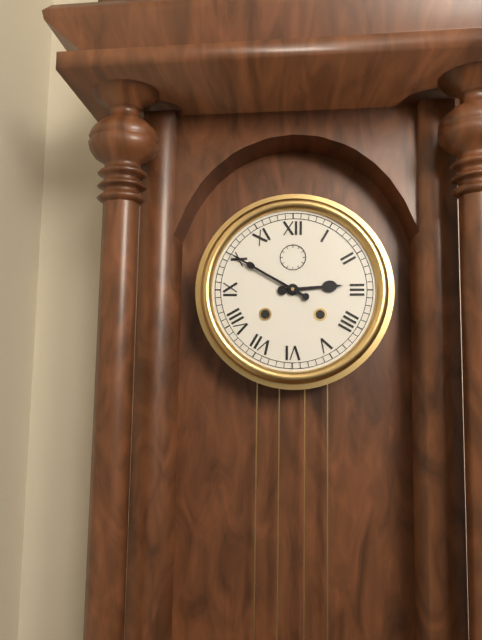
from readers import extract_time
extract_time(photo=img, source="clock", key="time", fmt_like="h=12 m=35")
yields h=2 m=50
